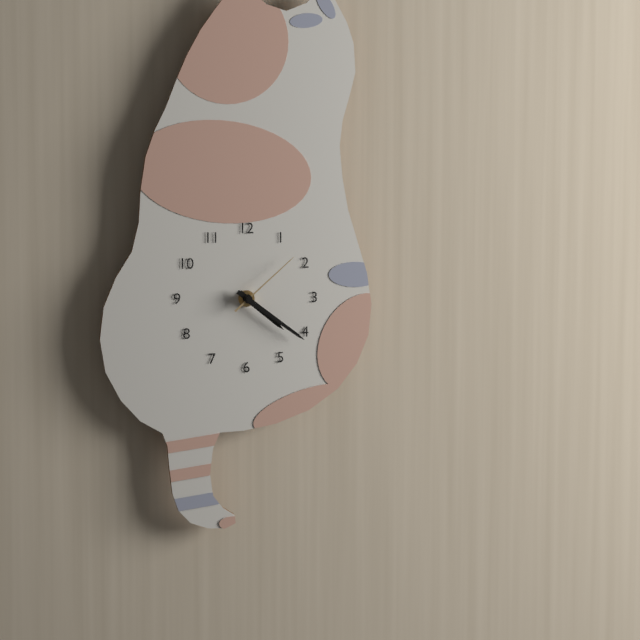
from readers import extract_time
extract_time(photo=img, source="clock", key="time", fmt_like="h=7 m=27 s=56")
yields h=4 m=21 s=8
